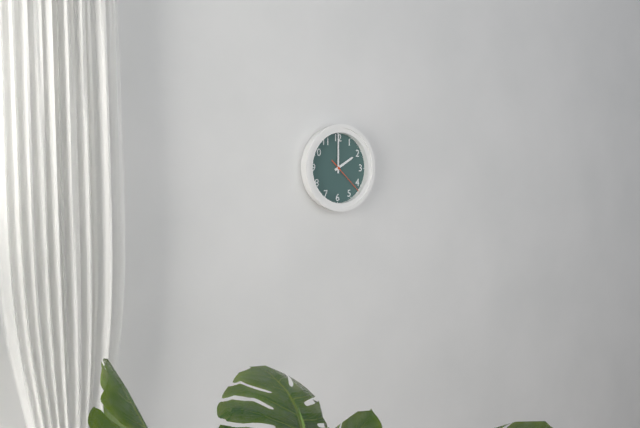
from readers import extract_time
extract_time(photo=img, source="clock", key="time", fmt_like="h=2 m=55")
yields h=2 m=0
